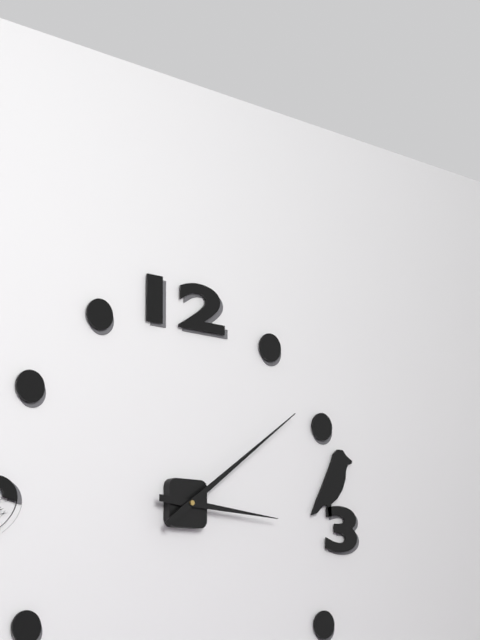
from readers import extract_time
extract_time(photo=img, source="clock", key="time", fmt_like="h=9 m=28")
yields h=3 m=9
